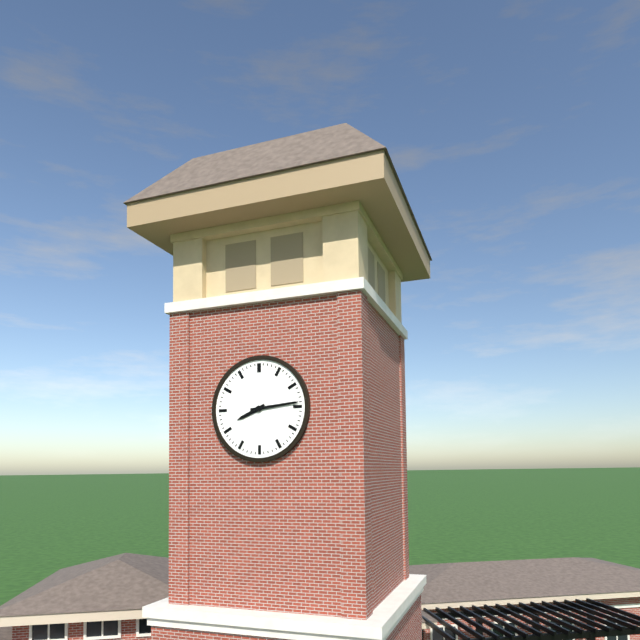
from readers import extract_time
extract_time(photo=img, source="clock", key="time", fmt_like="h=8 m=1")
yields h=8 m=14
